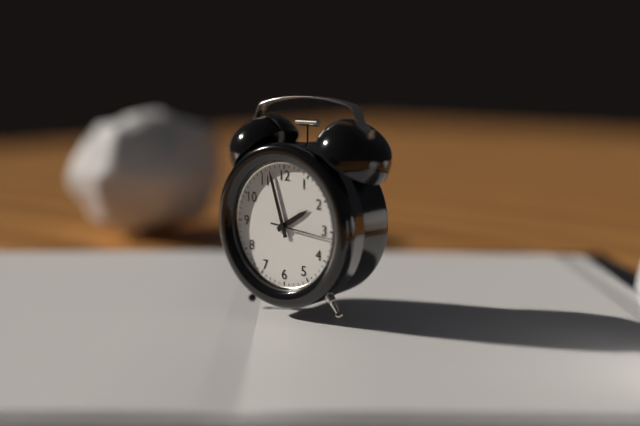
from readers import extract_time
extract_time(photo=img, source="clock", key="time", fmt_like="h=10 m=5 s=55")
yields h=1 m=57 s=16
